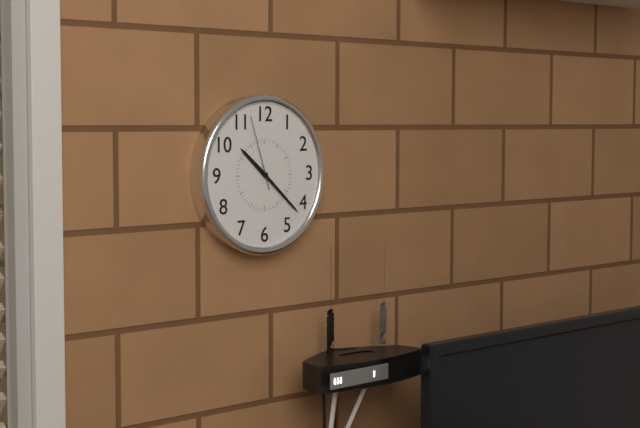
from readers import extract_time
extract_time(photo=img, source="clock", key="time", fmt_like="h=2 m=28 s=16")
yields h=10 m=22 s=57
